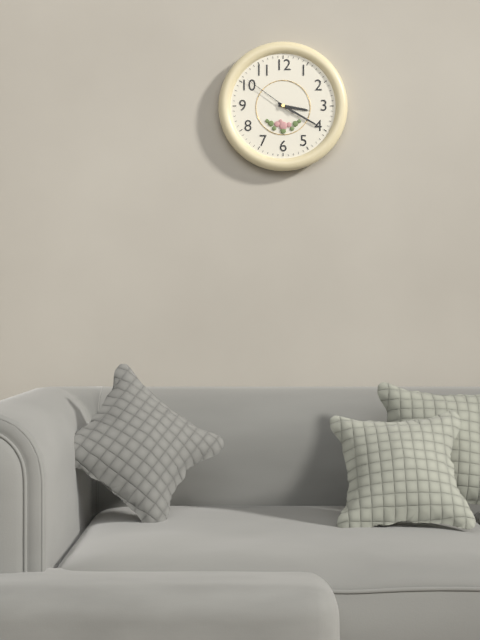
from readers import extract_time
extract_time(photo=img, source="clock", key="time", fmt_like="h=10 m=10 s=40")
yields h=3 m=20 s=51
